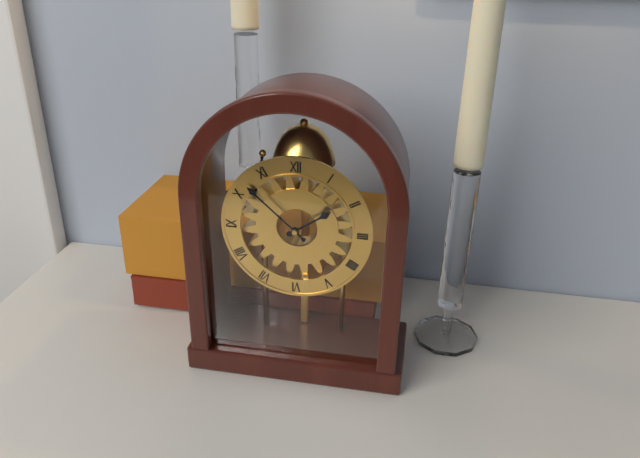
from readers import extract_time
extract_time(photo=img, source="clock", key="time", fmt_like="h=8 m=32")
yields h=1 m=52
